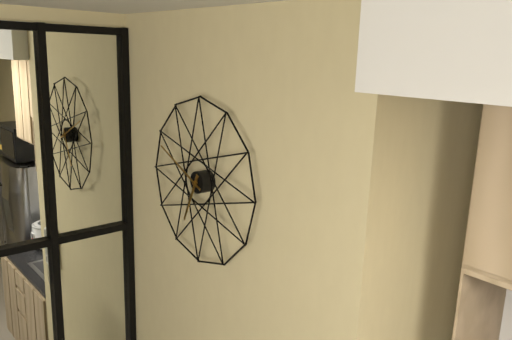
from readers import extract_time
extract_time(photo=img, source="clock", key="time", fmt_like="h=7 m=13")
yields h=6 m=49
